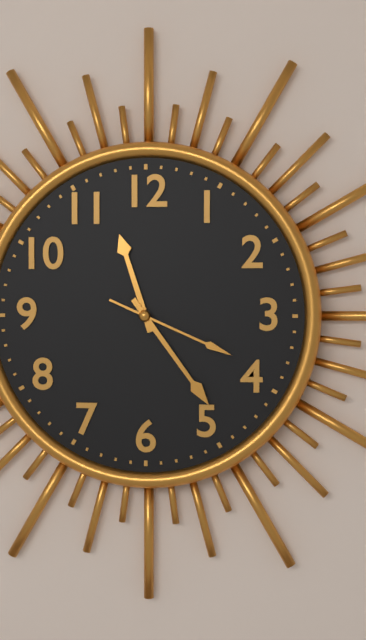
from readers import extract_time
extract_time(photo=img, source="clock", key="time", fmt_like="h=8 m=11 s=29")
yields h=11 m=24 s=19
